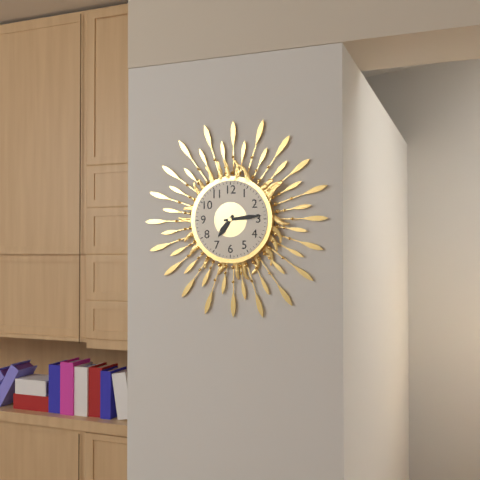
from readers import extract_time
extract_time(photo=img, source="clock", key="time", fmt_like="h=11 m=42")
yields h=7 m=14
